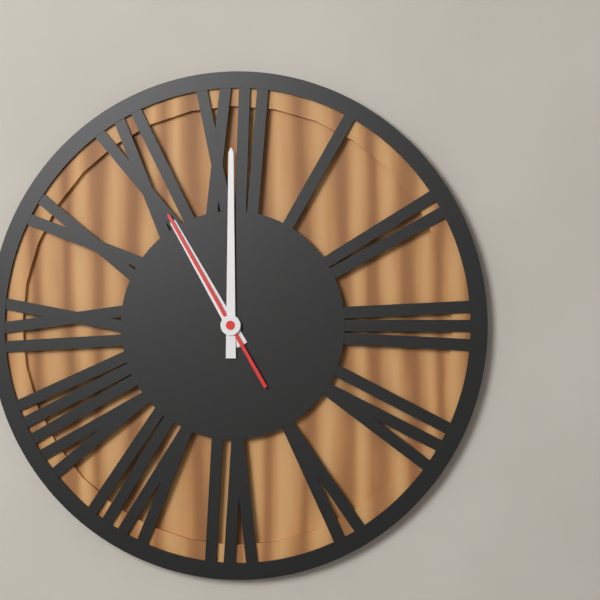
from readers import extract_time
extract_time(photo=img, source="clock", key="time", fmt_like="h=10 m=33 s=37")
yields h=11 m=0 s=55
